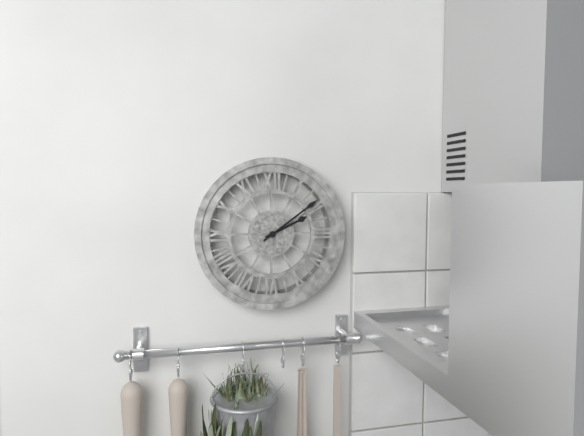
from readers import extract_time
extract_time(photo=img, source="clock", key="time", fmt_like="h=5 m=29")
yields h=2 m=9
